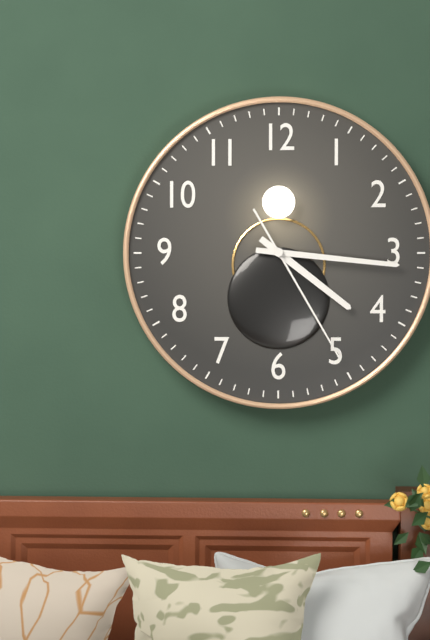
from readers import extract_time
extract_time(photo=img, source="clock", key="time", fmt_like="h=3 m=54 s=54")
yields h=4 m=16 s=25
